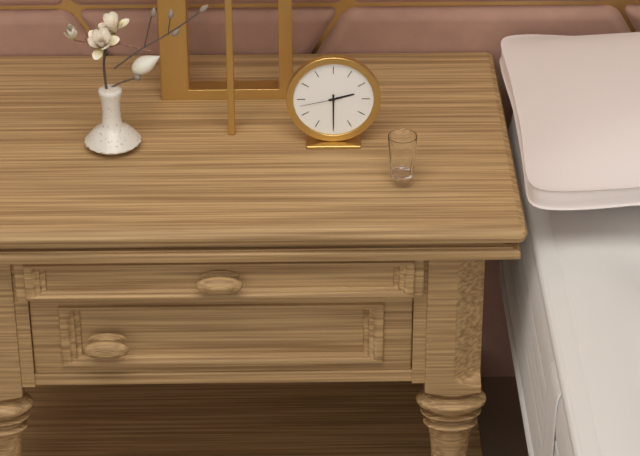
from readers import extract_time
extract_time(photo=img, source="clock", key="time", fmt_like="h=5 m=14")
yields h=2 m=30
